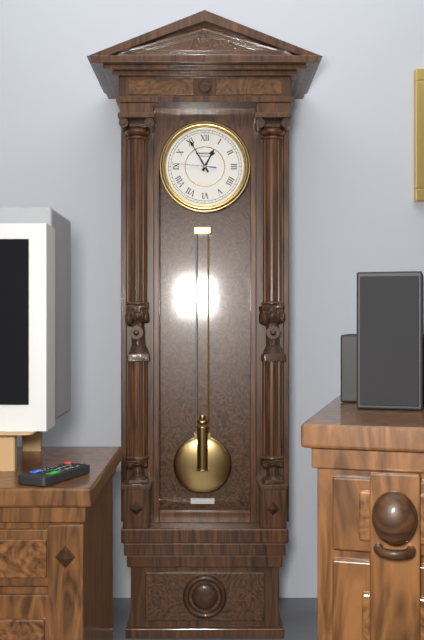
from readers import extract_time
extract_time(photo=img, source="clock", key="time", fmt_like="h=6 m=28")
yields h=12 m=55
